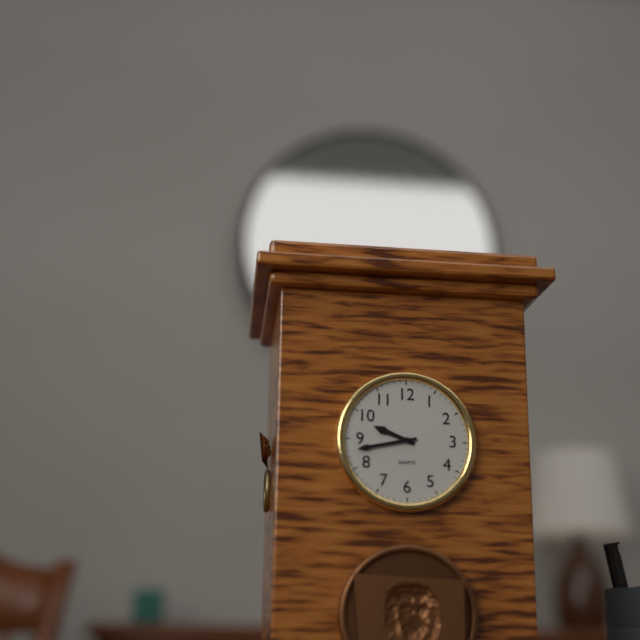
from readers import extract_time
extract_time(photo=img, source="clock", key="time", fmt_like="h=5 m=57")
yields h=9 m=43
